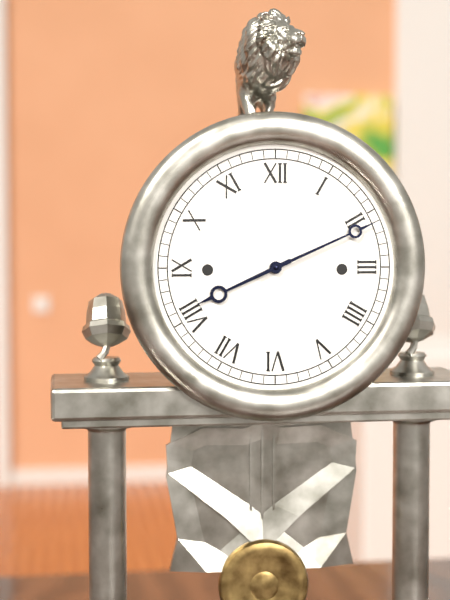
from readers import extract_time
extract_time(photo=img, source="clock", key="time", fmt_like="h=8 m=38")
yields h=8 m=11
